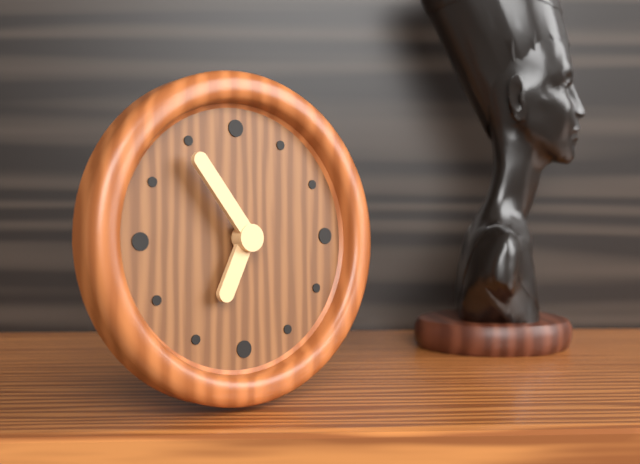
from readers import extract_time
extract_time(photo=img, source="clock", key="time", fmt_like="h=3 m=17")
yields h=6 m=54
